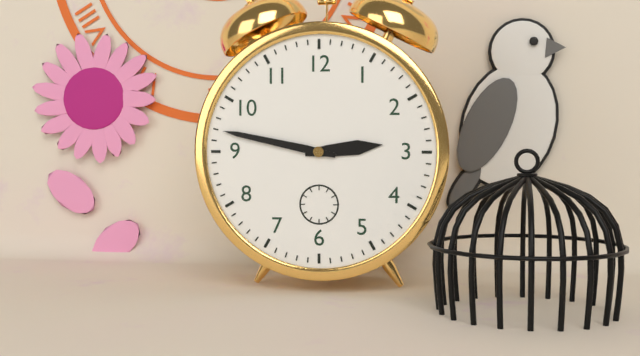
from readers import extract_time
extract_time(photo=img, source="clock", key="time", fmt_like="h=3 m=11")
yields h=2 m=47
